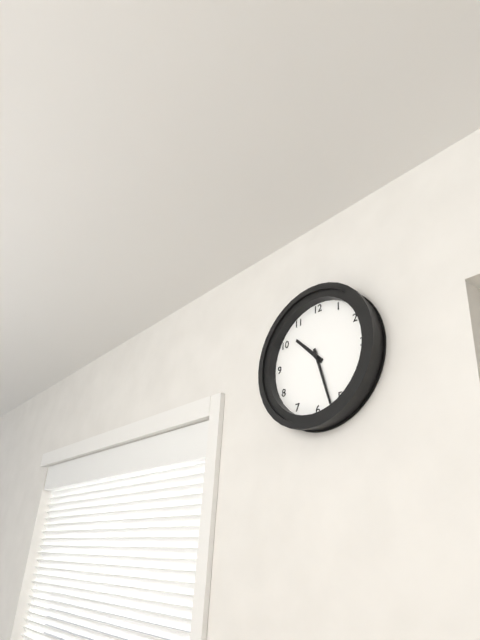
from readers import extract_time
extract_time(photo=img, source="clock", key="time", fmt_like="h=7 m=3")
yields h=10 m=27
